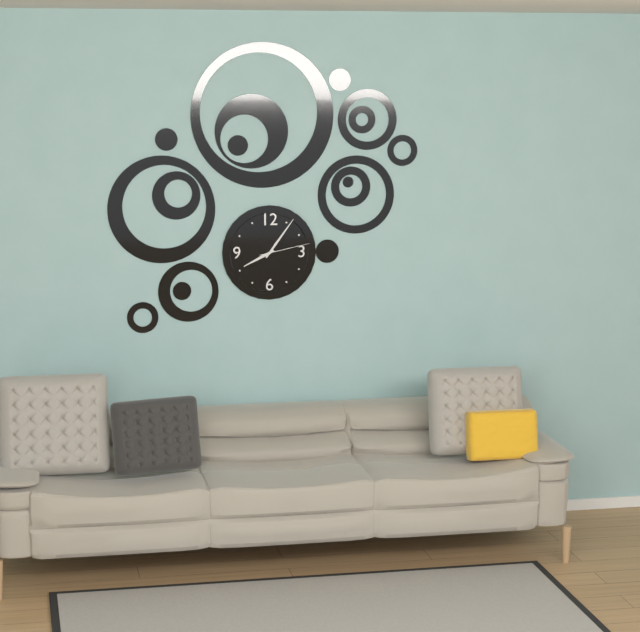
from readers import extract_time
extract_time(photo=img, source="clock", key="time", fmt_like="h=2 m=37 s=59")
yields h=8 m=6 s=13
